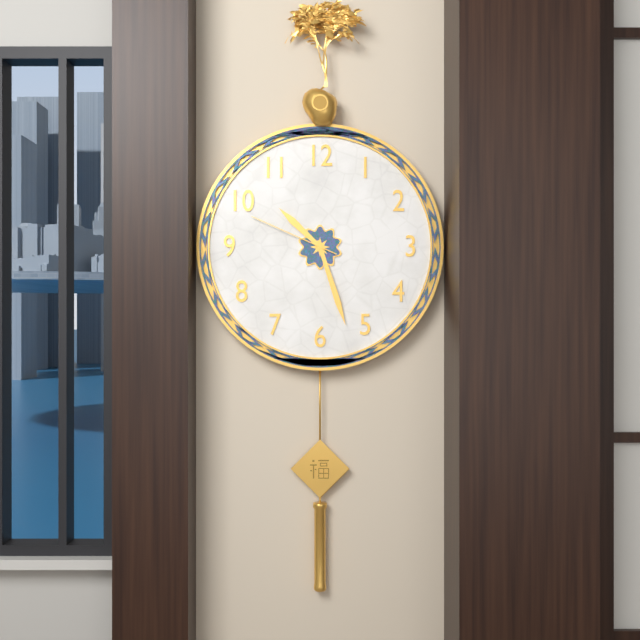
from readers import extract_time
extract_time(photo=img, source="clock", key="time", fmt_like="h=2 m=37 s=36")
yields h=10 m=27 s=49
